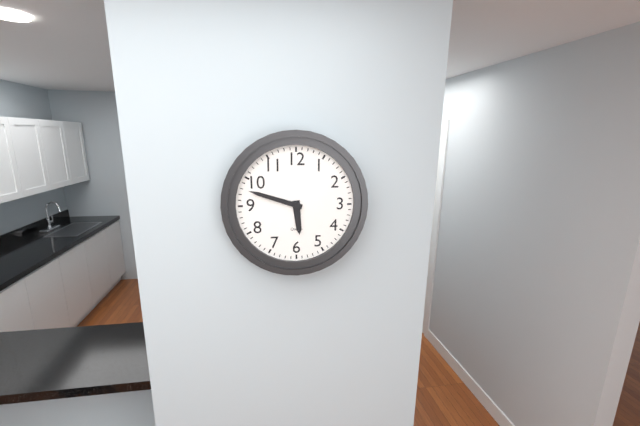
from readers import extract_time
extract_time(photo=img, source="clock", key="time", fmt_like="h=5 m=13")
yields h=5 m=48
